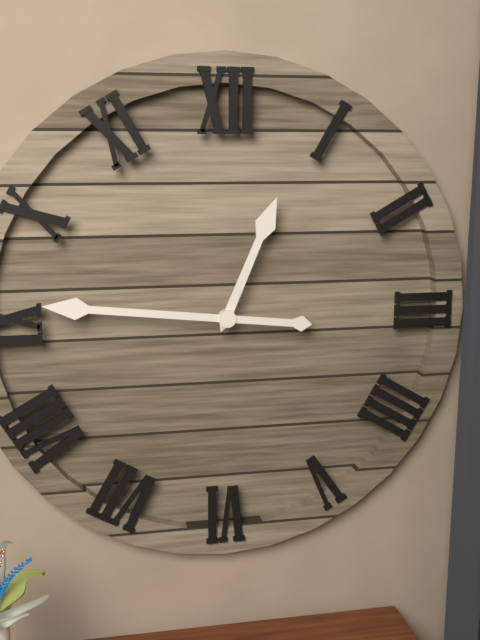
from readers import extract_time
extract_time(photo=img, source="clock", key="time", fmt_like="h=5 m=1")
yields h=12 m=46
